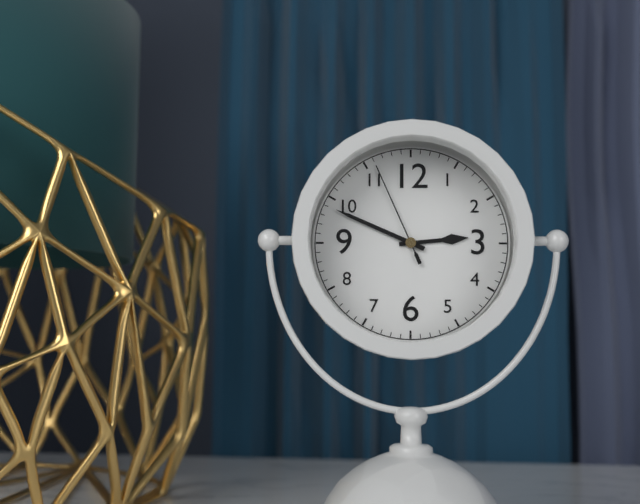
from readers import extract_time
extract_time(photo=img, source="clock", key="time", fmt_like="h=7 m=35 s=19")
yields h=2 m=49 s=56
